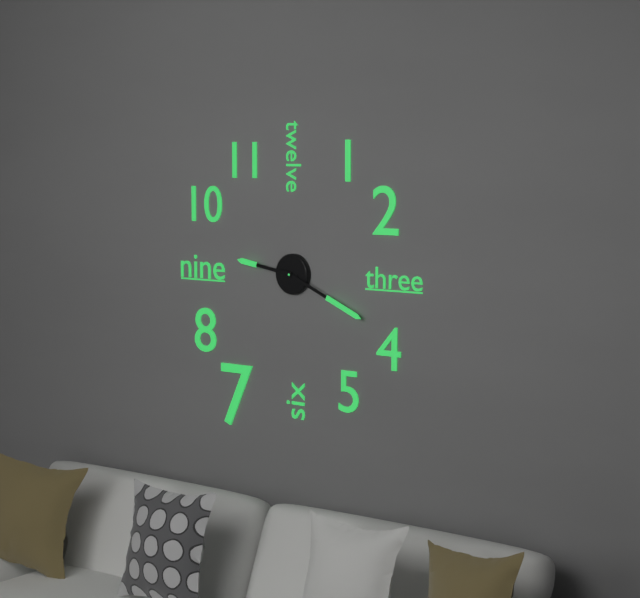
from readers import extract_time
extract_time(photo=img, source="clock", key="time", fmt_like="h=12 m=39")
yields h=9 m=19
